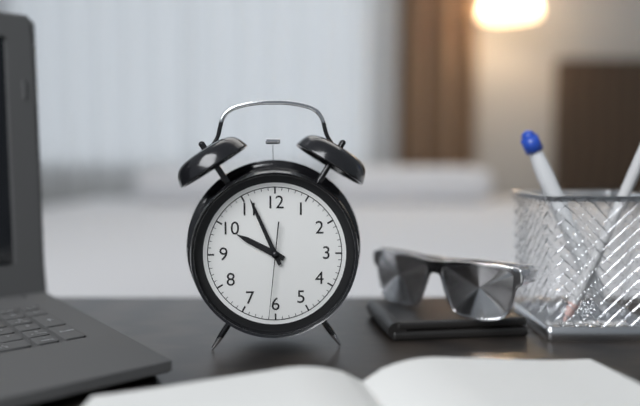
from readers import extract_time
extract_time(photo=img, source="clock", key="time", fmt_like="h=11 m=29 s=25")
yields h=9 m=56 s=31
